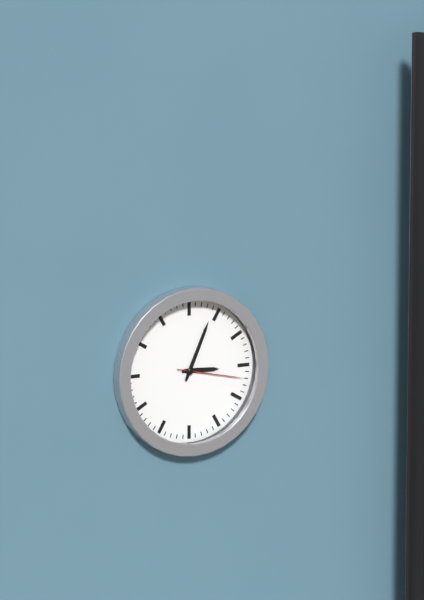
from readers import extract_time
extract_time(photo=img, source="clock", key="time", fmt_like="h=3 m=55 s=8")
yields h=3 m=4 s=17
